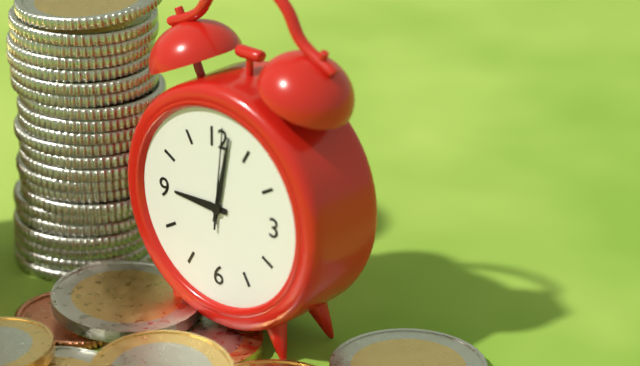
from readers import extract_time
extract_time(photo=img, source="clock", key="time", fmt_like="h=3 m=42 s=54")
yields h=9 m=2 s=1
